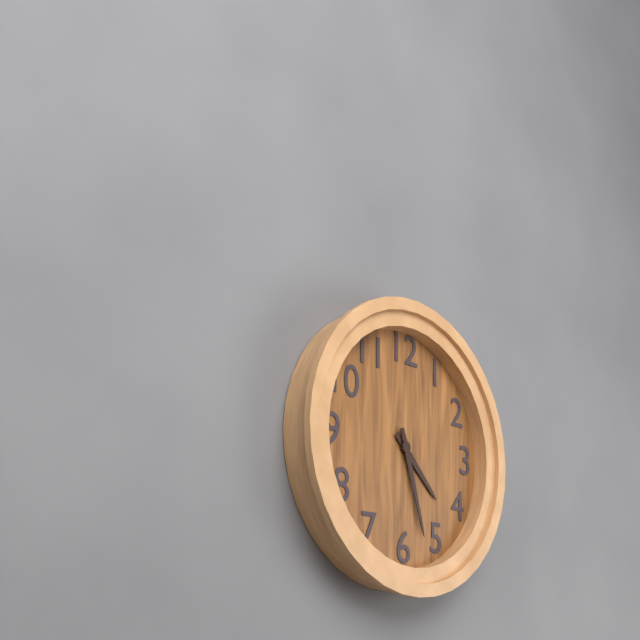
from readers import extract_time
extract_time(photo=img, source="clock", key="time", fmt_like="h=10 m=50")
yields h=4 m=27
